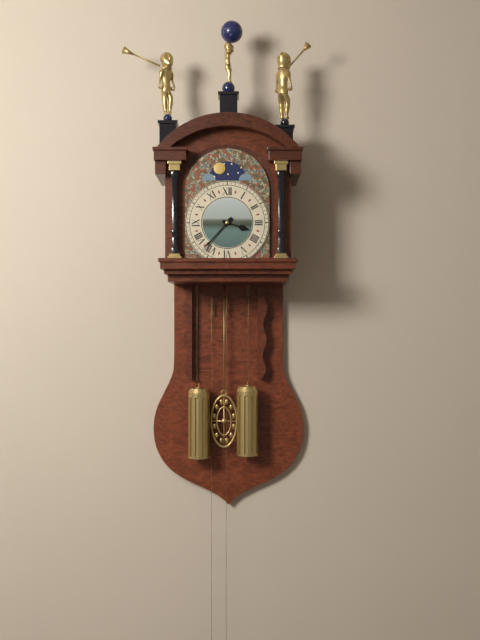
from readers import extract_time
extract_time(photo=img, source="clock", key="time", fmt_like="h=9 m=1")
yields h=3 m=37
